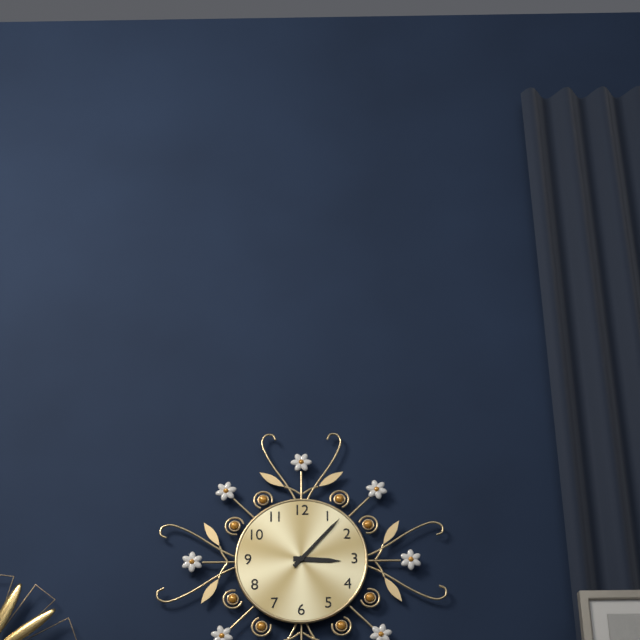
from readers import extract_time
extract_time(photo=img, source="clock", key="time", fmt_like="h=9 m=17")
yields h=3 m=7
